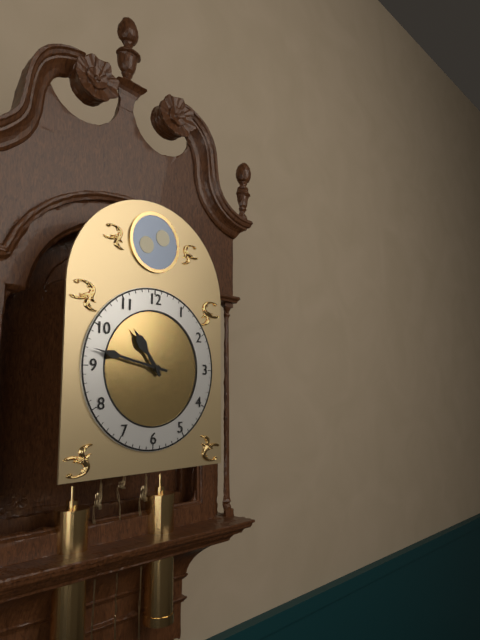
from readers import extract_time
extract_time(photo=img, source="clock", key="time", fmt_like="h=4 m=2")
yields h=10 m=47
